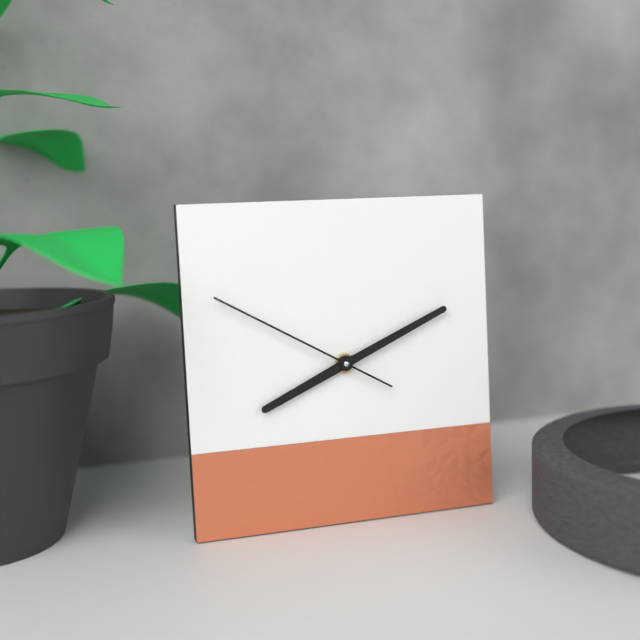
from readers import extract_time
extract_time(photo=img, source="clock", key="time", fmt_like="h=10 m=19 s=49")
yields h=8 m=11 s=50
